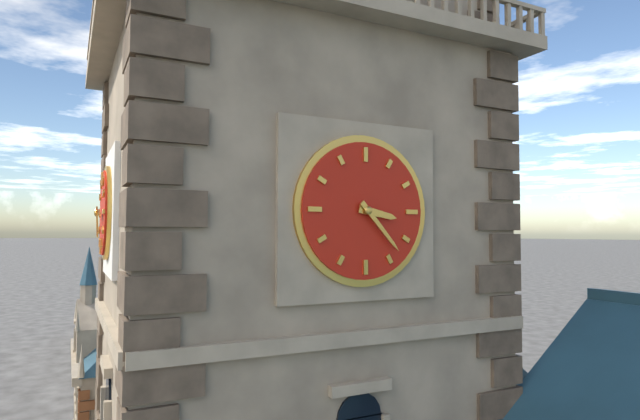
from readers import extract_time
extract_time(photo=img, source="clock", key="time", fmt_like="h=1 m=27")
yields h=3 m=23
